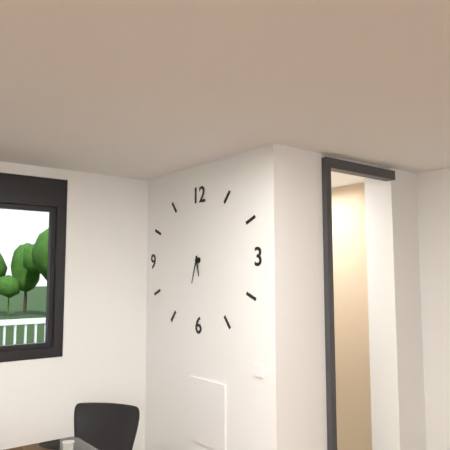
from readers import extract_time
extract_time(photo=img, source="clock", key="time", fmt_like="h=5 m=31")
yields h=5 m=33
